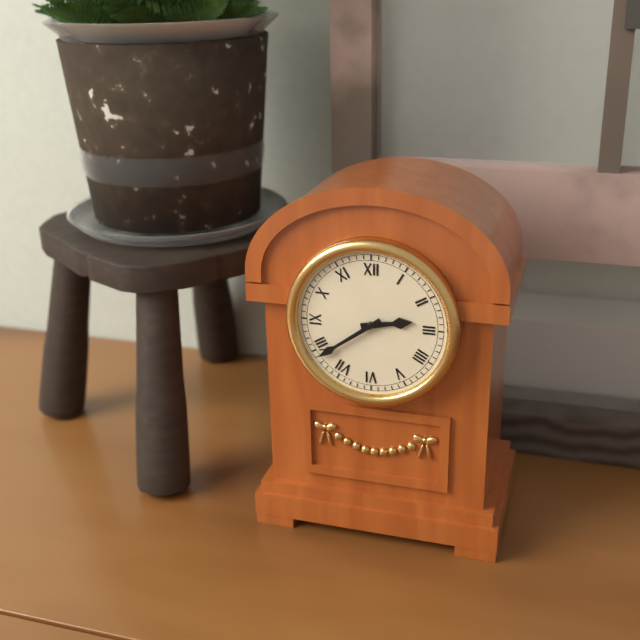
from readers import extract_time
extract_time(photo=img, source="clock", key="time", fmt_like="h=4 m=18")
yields h=2 m=39
